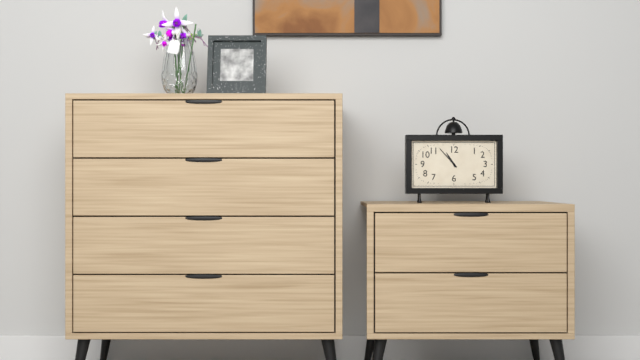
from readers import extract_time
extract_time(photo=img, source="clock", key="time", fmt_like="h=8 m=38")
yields h=10 m=53
